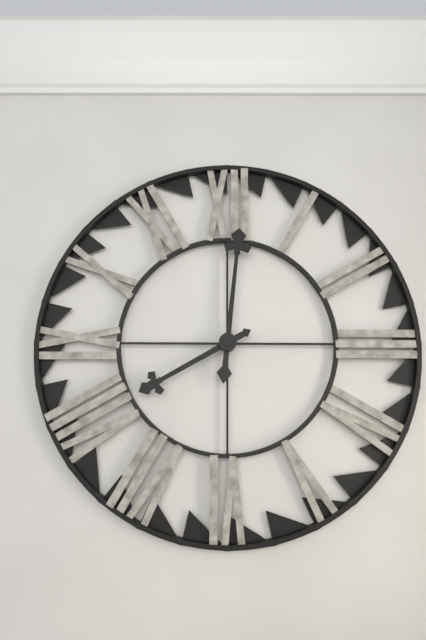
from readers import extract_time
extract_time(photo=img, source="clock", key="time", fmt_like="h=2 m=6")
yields h=8 m=1
